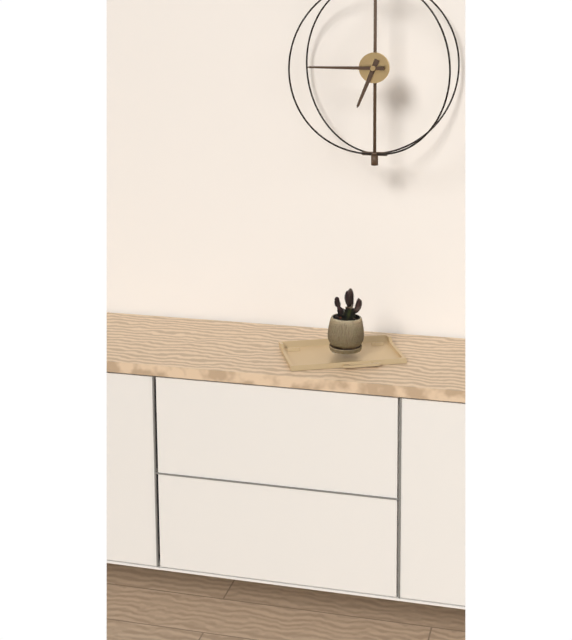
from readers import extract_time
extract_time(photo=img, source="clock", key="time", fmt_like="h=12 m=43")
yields h=6 m=45
